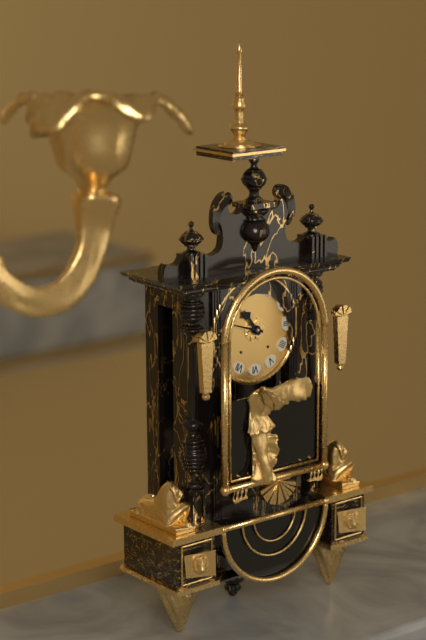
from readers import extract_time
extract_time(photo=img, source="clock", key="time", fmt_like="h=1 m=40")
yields h=10 m=48
